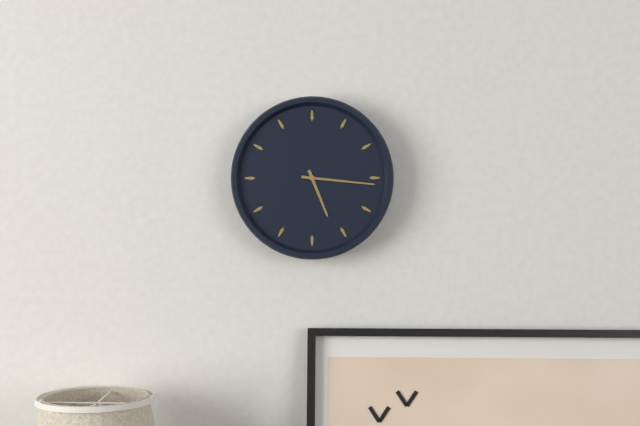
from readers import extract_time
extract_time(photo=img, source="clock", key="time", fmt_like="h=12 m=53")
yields h=5 m=16
